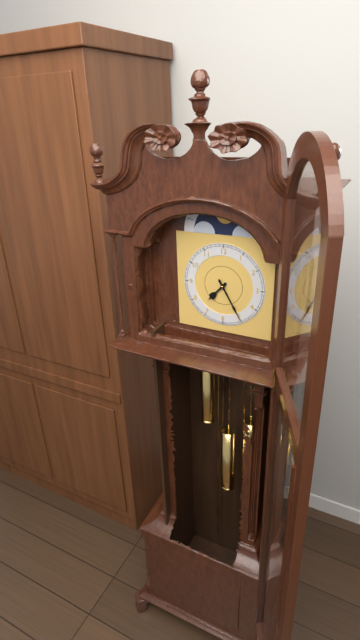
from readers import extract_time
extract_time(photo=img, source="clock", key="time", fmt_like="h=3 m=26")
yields h=7 m=25
